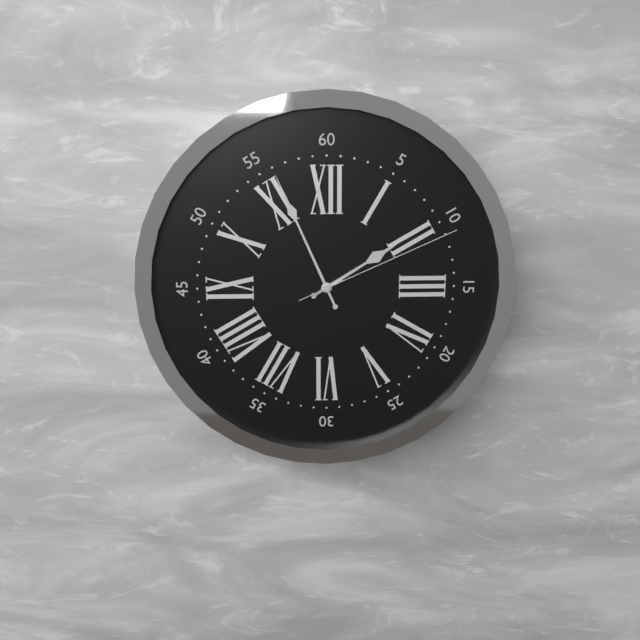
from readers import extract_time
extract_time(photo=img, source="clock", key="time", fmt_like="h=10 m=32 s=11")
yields h=1 m=56 s=11
